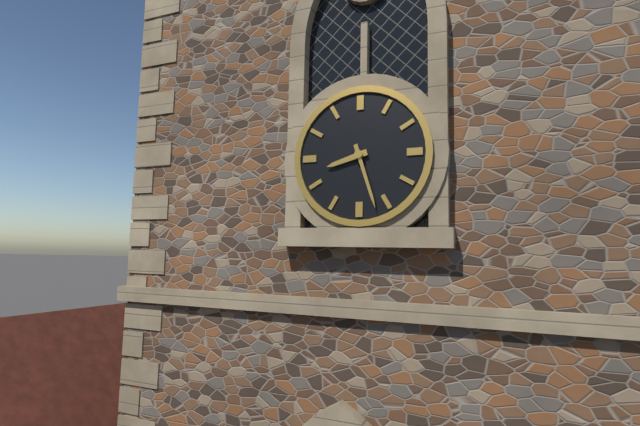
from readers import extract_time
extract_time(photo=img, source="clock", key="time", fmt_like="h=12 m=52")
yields h=8 m=27
